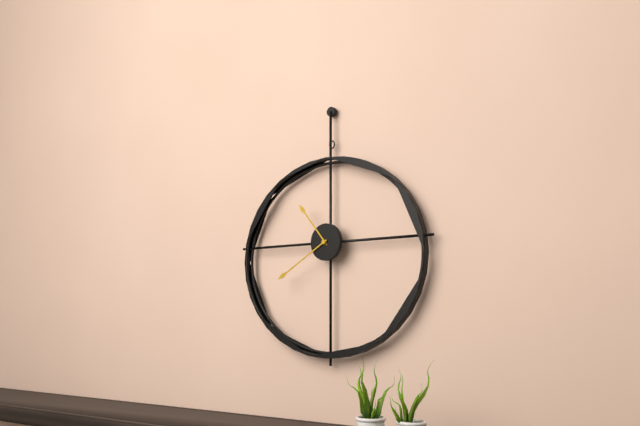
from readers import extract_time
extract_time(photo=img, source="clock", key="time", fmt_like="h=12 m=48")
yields h=10 m=40
